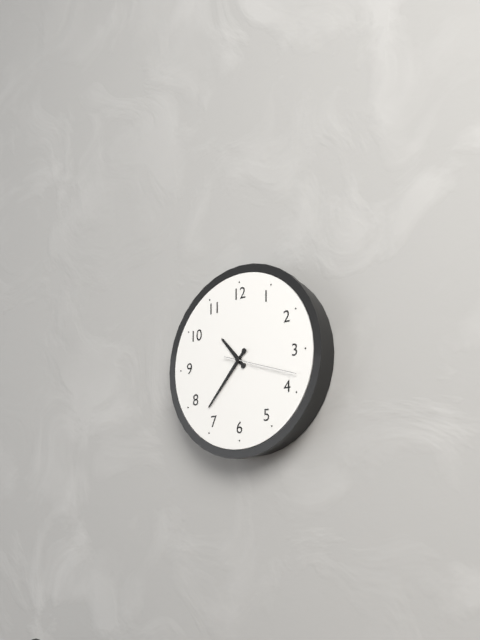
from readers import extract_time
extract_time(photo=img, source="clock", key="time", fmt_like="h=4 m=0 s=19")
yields h=10 m=37 s=18
